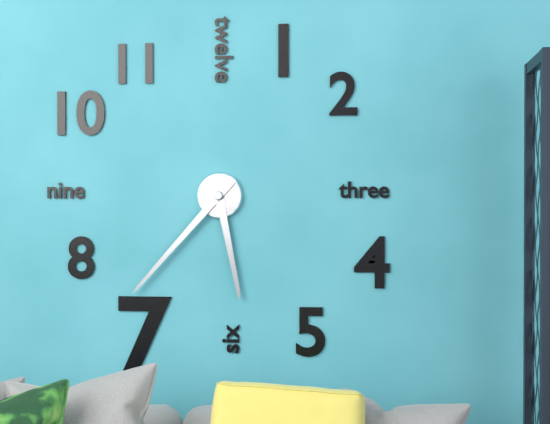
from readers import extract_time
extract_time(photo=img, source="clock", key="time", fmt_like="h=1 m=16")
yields h=5 m=37
